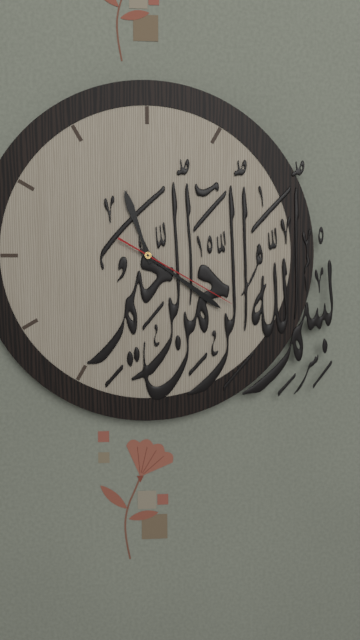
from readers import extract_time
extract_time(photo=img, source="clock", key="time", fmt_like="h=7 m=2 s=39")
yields h=11 m=21 s=20
